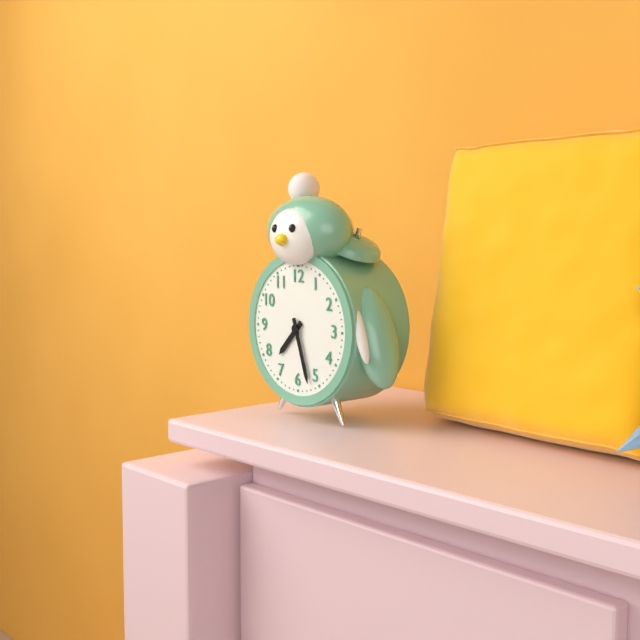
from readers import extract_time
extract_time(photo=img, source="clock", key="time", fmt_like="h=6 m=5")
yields h=7 m=27
